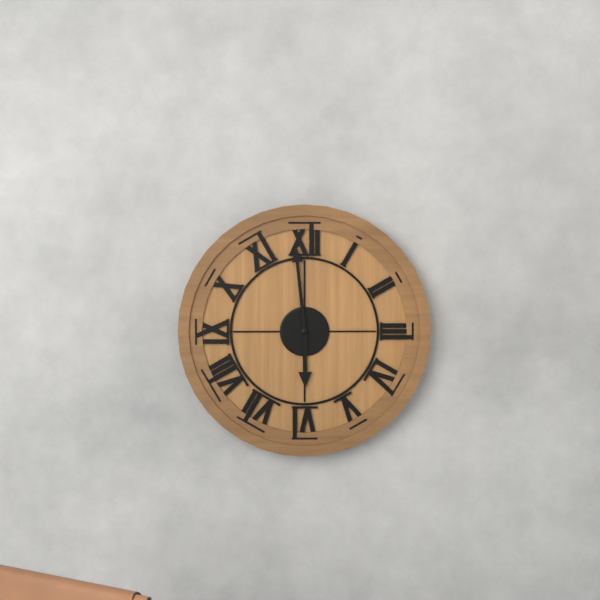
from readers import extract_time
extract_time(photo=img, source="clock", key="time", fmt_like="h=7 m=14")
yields h=5 m=59
